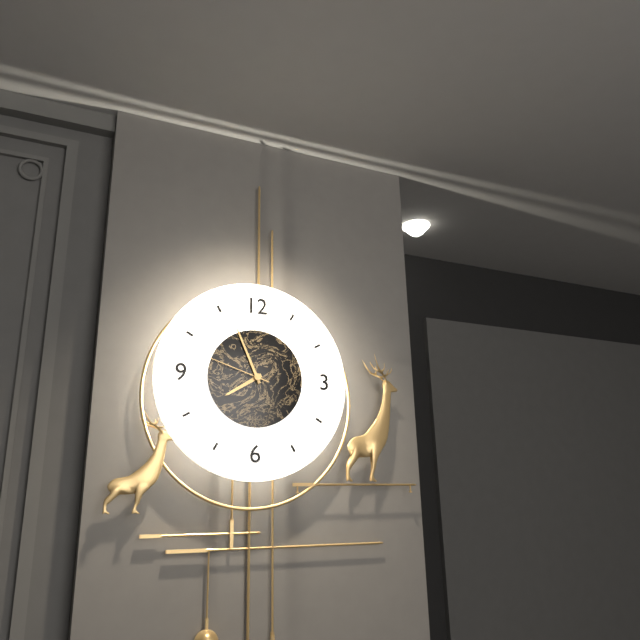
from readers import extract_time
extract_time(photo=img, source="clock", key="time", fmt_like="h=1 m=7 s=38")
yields h=7 m=56 s=48
